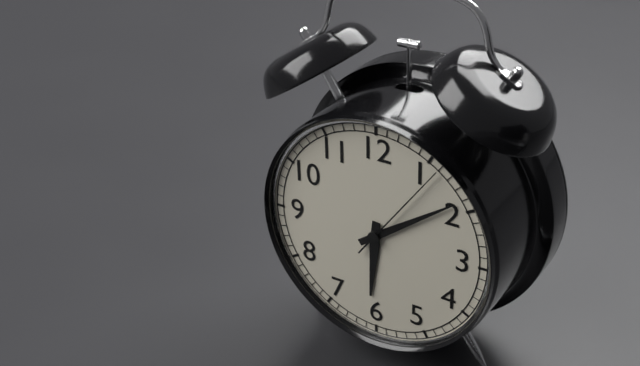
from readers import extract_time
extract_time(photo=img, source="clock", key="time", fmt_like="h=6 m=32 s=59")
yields h=6 m=9 s=6
